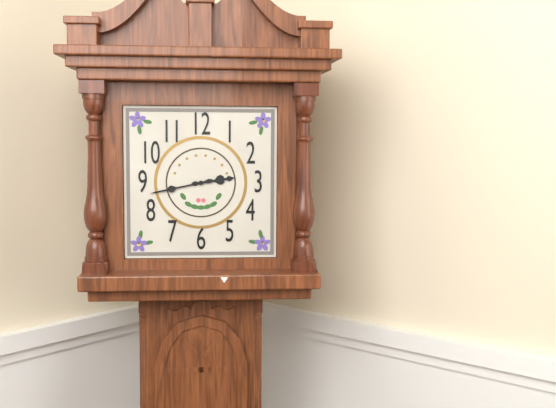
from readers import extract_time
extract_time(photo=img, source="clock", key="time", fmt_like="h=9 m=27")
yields h=2 m=43
